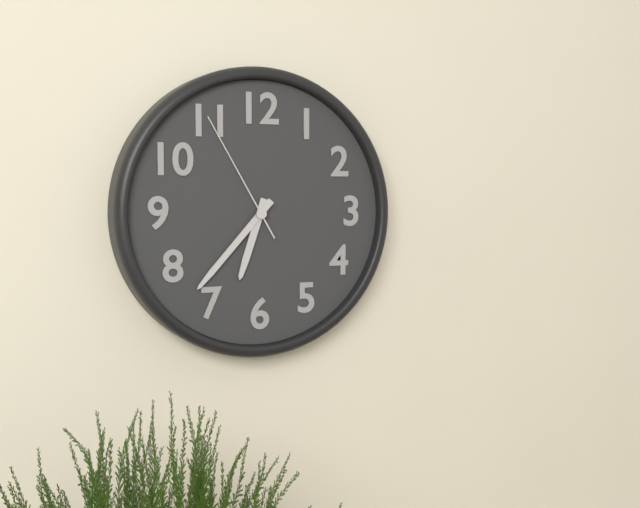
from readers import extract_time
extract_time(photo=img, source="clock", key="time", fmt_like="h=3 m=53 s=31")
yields h=6 m=37 s=55
